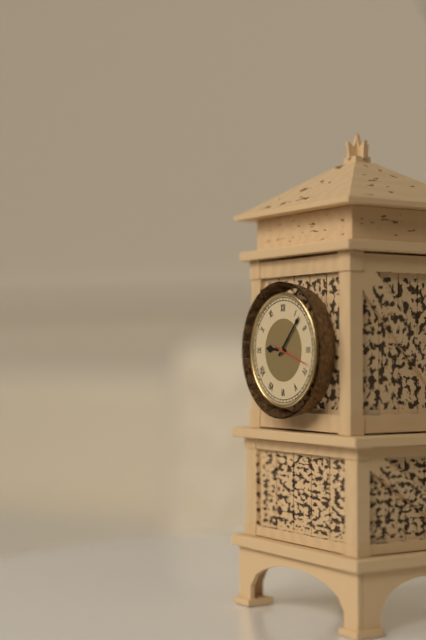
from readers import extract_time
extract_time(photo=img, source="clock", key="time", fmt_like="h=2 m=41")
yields h=9 m=7
